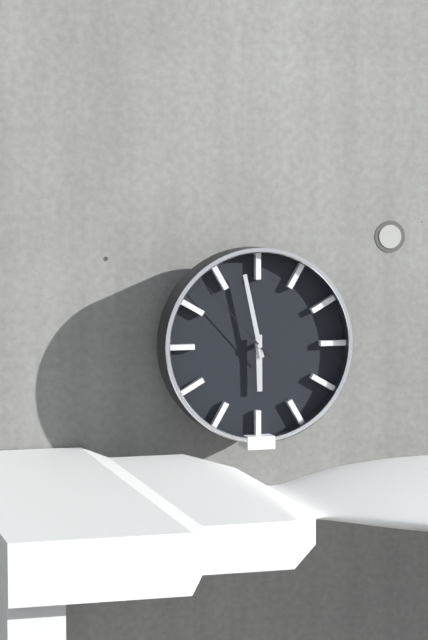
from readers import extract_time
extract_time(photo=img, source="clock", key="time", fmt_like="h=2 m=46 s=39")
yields h=5 m=58 s=53
